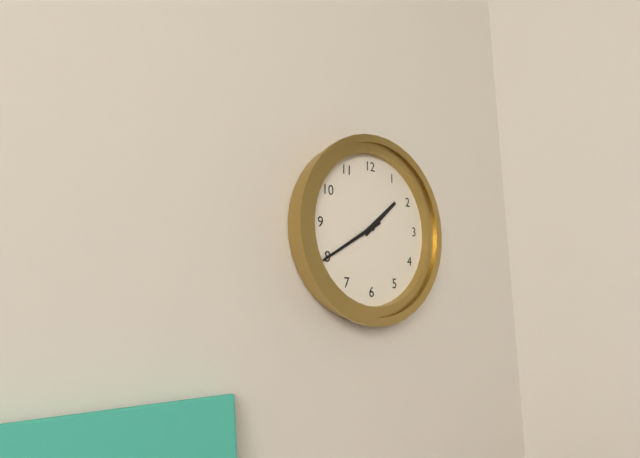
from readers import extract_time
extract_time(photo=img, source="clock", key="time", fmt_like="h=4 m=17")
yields h=1 m=40
